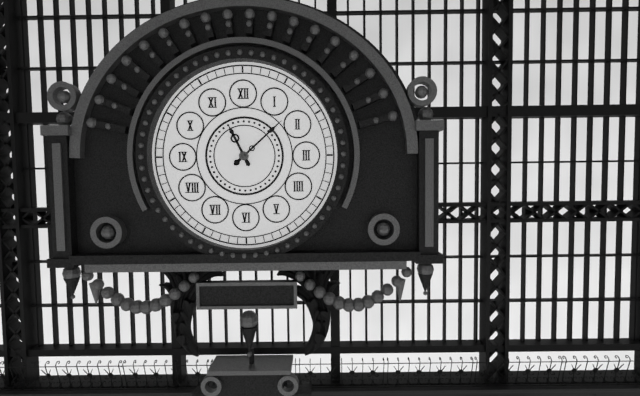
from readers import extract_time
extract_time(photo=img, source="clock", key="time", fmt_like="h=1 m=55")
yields h=11 m=8
